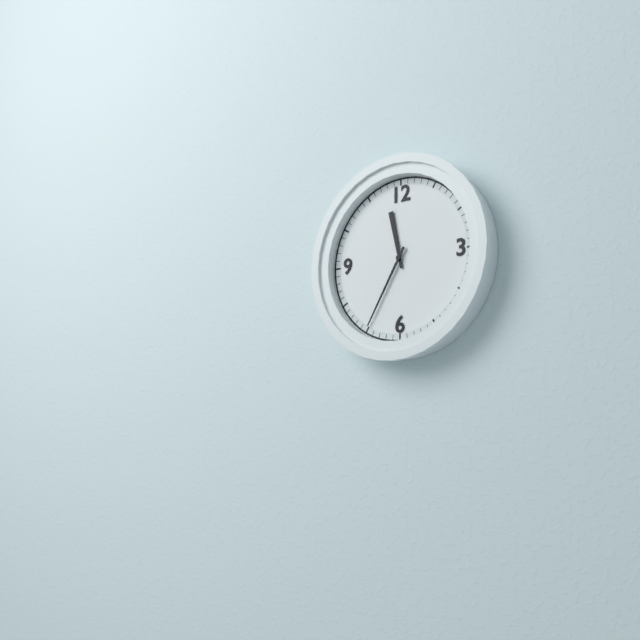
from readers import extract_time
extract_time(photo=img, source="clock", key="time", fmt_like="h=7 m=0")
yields h=11 m=35
